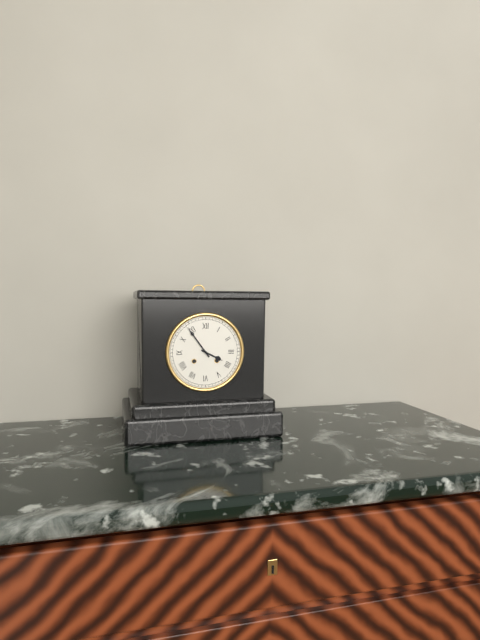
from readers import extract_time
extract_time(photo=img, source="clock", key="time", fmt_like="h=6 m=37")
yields h=3 m=54
